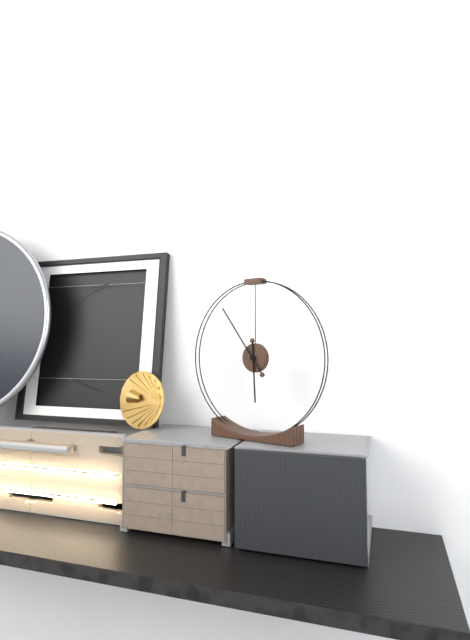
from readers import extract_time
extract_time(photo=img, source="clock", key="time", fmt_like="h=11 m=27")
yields h=5 m=54
